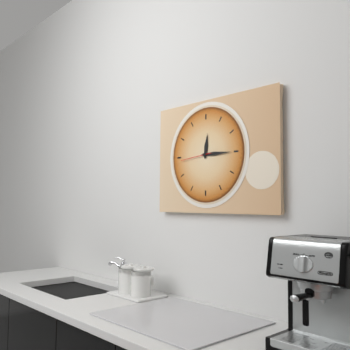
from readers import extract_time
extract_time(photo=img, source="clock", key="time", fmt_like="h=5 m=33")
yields h=12 m=15
